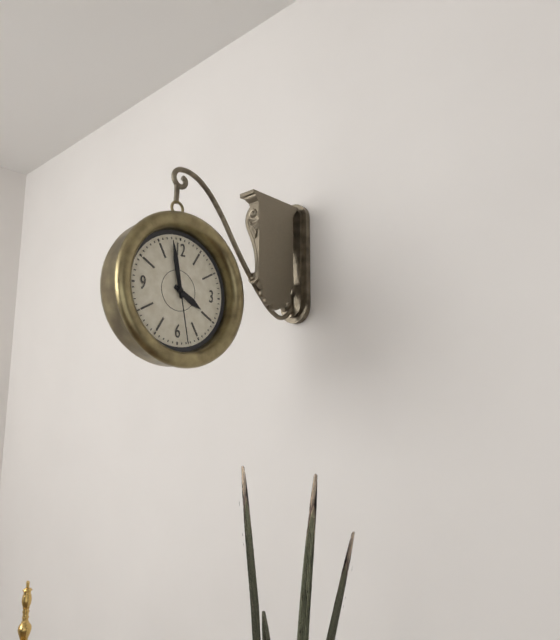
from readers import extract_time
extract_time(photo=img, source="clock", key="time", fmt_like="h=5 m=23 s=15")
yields h=3 m=58 s=28
